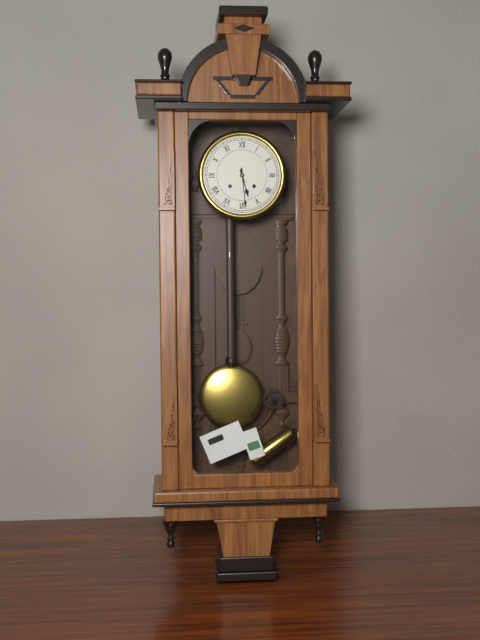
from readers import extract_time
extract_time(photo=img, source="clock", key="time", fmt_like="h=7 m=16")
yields h=5 m=29
